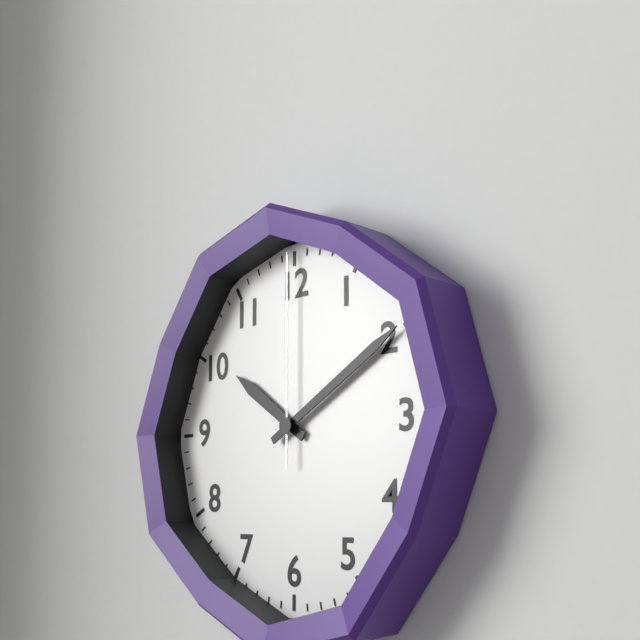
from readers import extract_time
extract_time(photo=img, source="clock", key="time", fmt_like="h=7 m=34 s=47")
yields h=10 m=10 s=0
